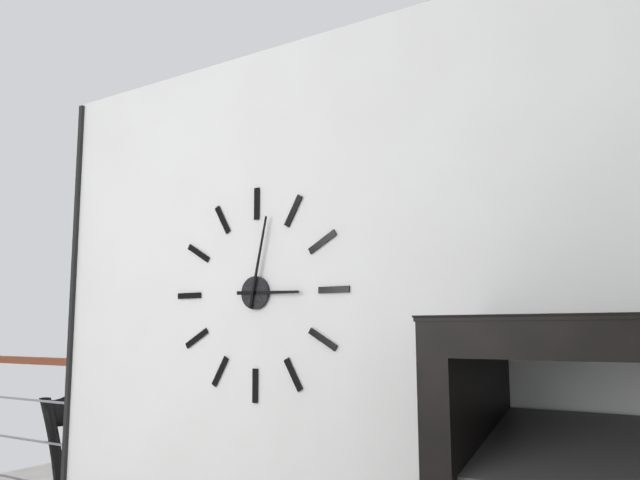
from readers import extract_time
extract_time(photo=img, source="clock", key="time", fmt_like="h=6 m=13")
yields h=3 m=2
